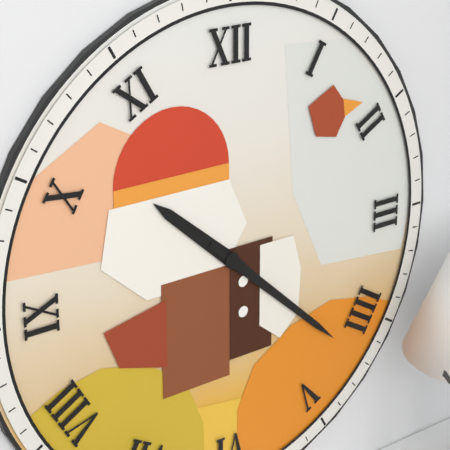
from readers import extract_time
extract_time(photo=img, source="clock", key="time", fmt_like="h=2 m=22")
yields h=10 m=22
